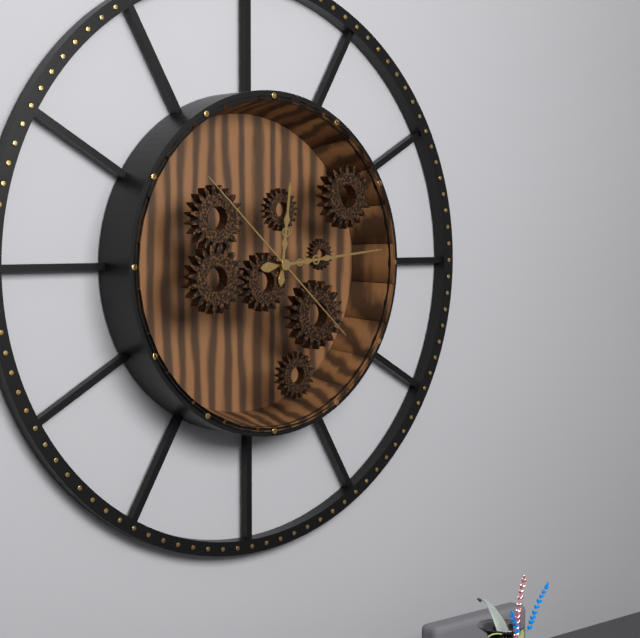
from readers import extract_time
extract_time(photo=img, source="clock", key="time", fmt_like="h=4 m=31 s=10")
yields h=12 m=14 s=52
